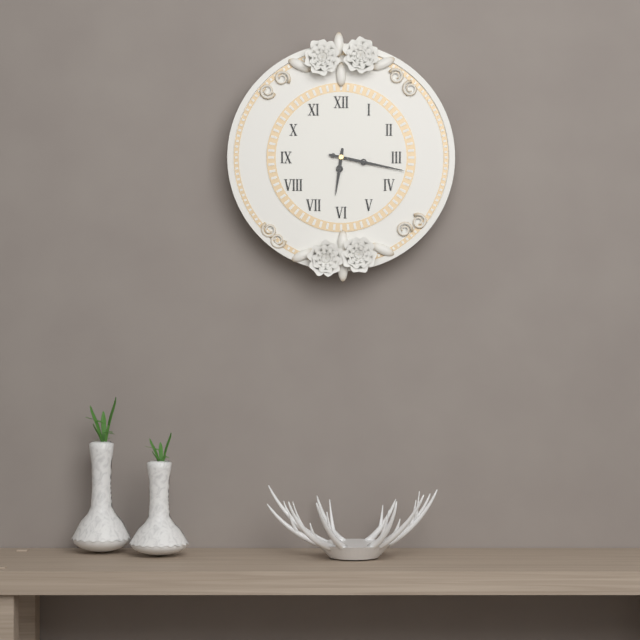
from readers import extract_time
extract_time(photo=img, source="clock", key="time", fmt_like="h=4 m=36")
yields h=6 m=17
